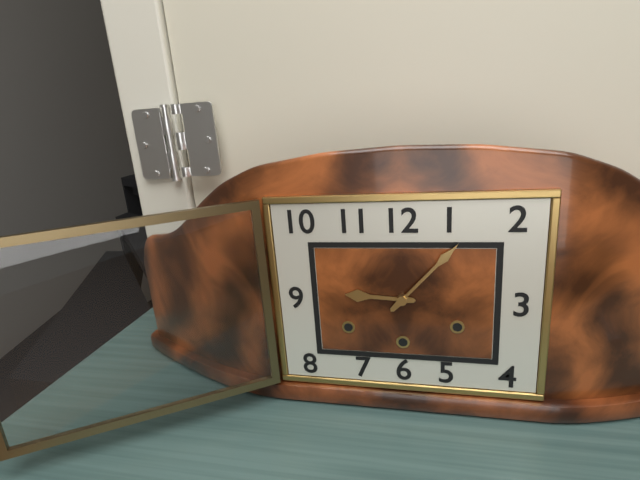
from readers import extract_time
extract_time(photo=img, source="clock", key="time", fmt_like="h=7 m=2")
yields h=9 m=7
